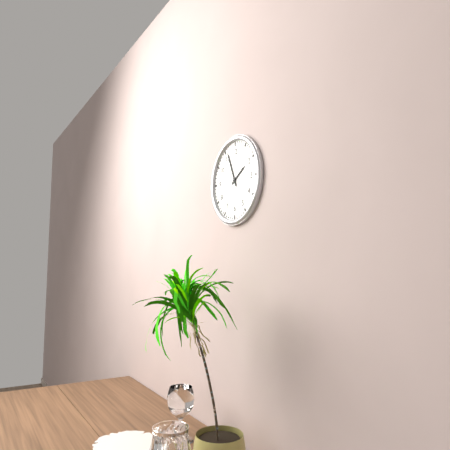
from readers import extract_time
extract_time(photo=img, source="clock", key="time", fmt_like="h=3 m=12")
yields h=1 m=56
